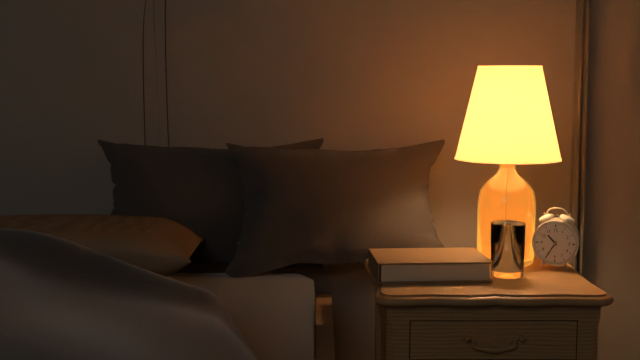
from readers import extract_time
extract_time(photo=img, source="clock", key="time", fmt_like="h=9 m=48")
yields h=10 m=35
